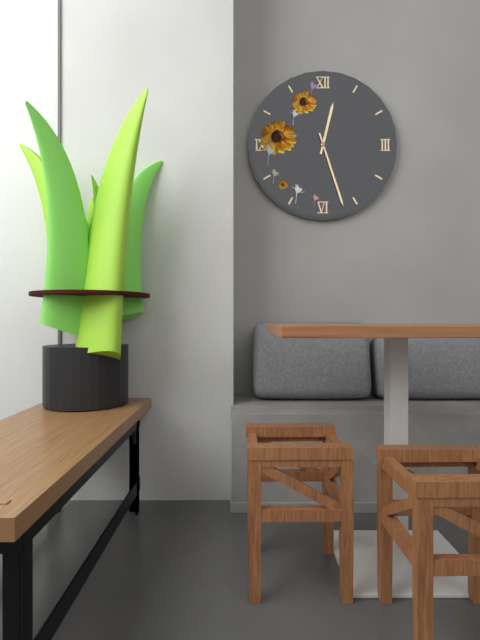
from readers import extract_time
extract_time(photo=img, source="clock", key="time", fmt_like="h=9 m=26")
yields h=12 m=27
